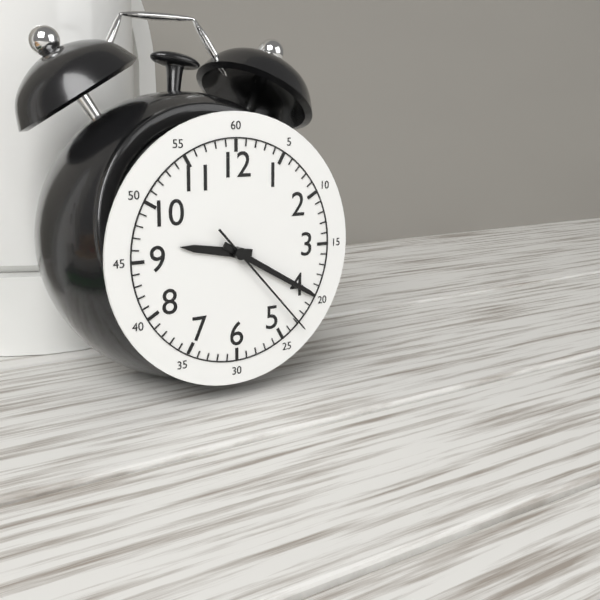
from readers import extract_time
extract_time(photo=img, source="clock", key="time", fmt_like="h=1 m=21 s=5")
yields h=9 m=20 s=23
